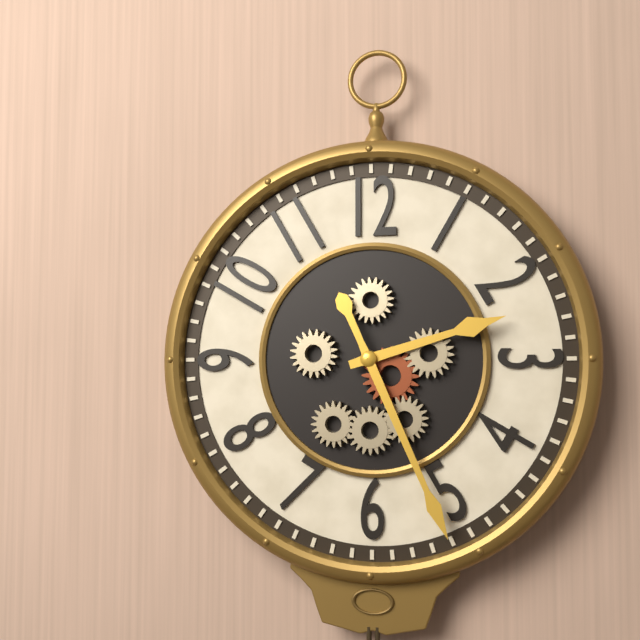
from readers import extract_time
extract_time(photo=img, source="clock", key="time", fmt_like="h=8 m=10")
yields h=2 m=26
